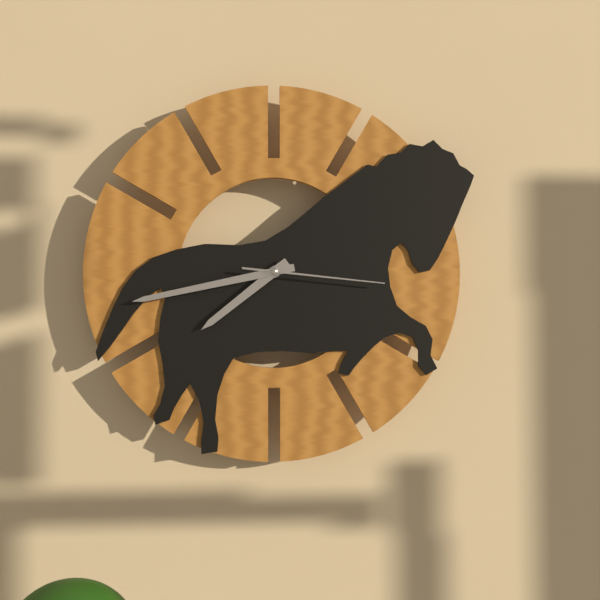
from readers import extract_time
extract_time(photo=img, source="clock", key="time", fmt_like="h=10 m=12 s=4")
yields h=7 m=43 s=16
